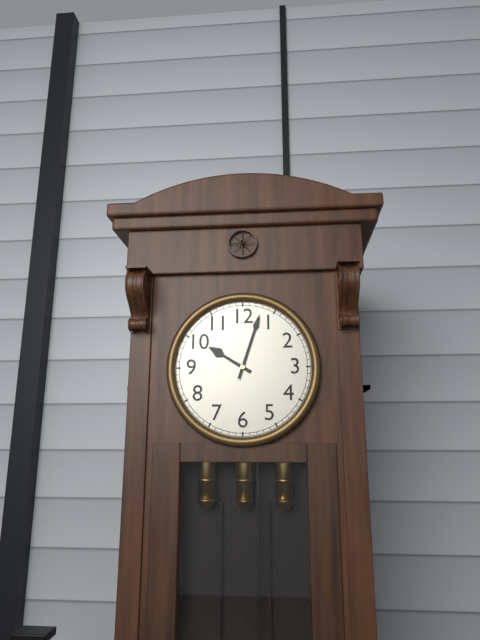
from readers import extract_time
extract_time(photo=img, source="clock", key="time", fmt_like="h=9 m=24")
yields h=10 m=3
